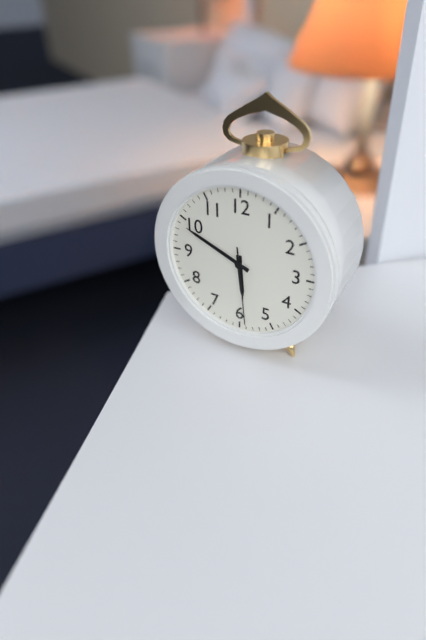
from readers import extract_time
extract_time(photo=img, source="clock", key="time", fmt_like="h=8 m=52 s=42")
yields h=5 m=49 s=29
